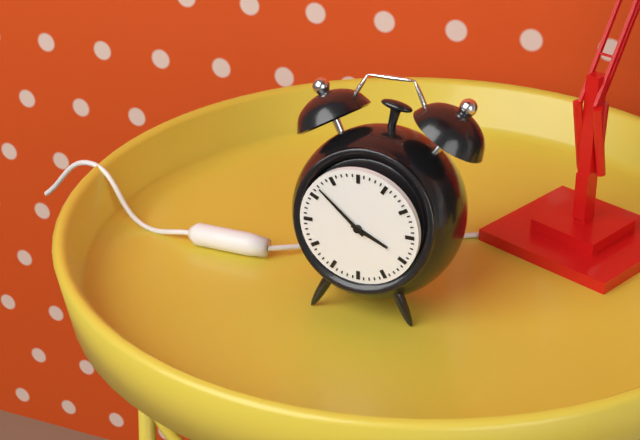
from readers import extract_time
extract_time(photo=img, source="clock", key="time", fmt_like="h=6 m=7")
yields h=3 m=52
